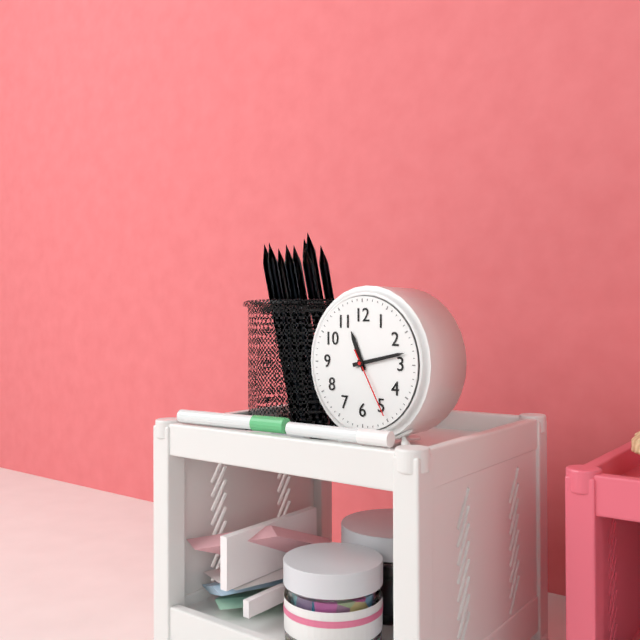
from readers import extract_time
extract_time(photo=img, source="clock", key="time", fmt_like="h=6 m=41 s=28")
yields h=11 m=13 s=25
